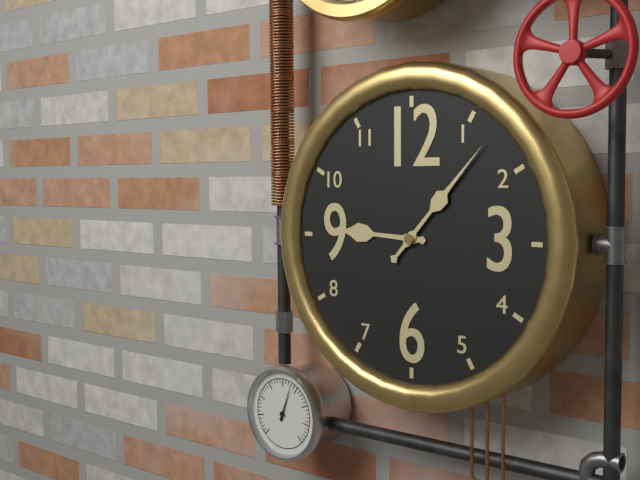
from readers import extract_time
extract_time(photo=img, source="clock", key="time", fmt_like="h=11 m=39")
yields h=9 m=7
